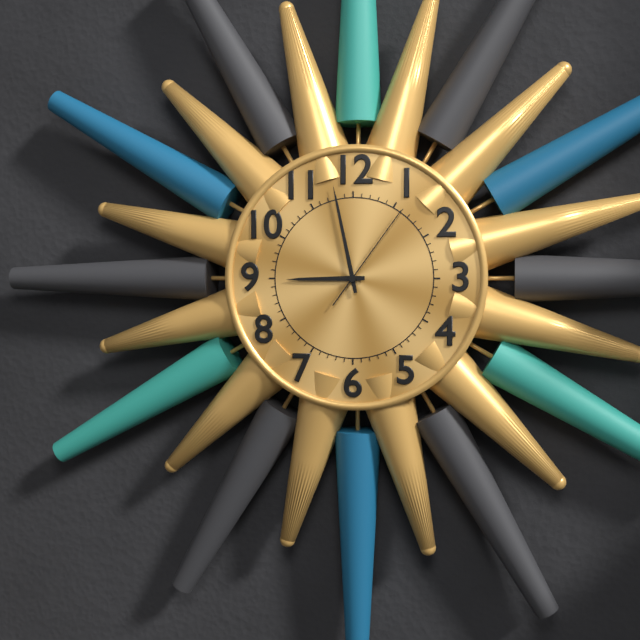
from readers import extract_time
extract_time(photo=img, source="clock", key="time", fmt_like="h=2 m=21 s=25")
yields h=8 m=58 s=6
